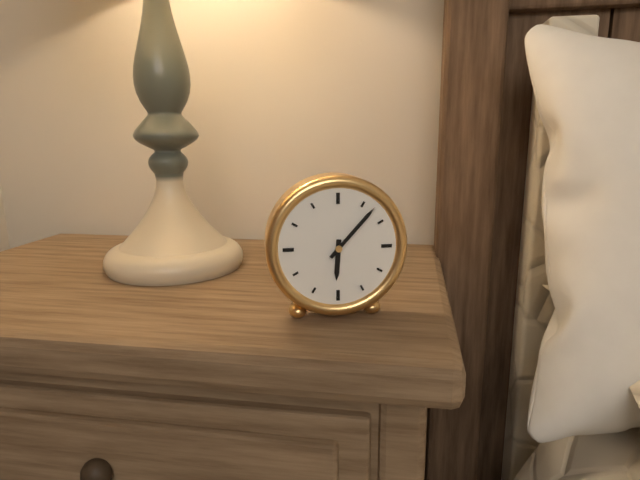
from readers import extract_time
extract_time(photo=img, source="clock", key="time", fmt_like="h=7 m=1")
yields h=6 m=7
